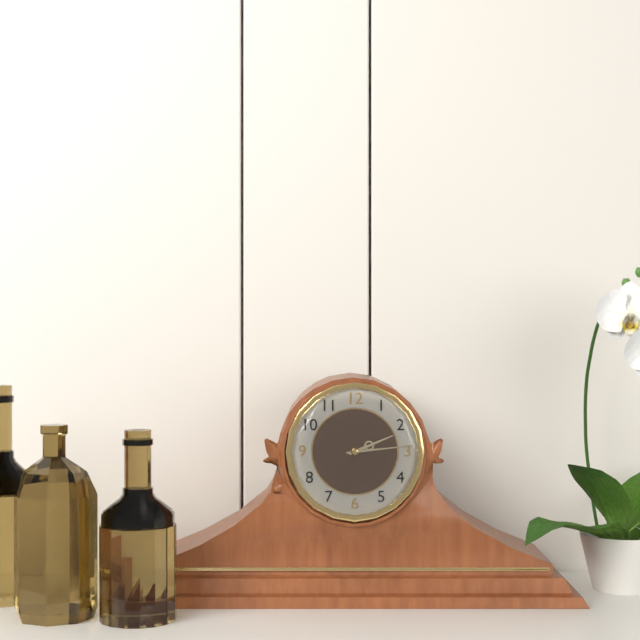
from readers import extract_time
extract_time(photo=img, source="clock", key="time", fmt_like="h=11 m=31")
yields h=2 m=14
